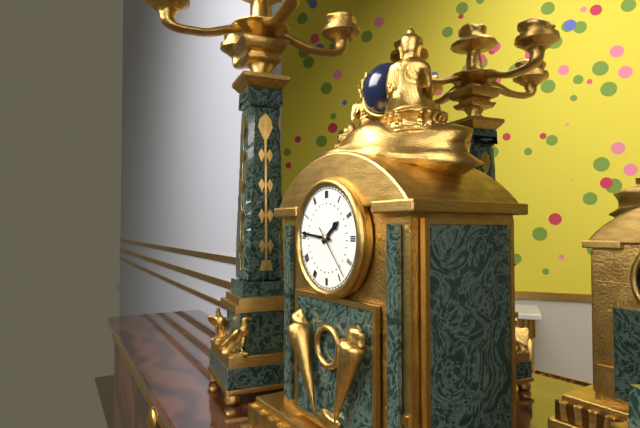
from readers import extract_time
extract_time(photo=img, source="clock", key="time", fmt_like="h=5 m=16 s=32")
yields h=1 m=46 s=23
